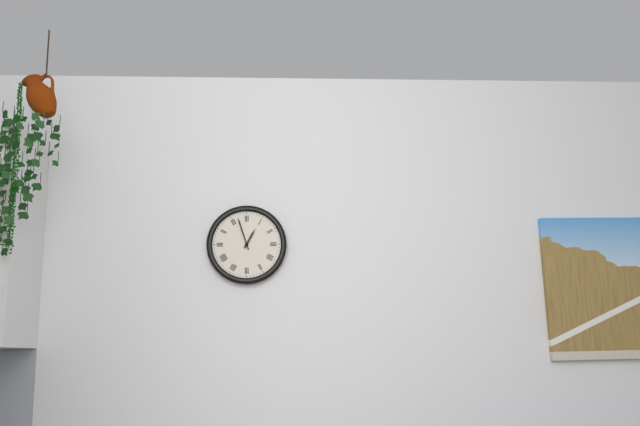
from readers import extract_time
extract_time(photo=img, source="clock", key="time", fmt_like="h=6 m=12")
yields h=12 m=57
